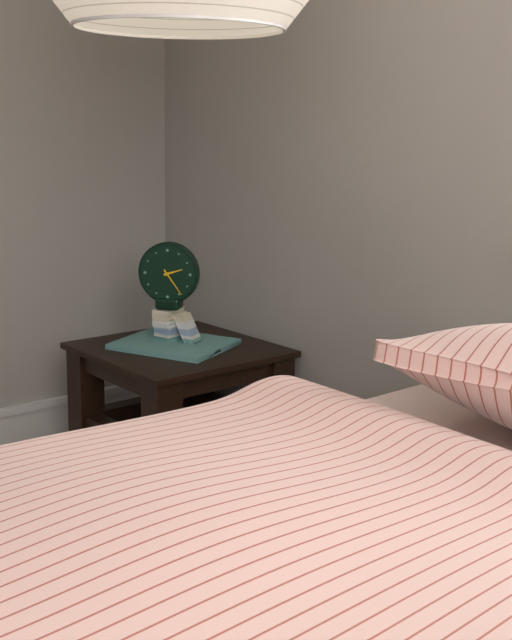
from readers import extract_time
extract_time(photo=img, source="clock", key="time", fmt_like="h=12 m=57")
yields h=2 m=24
